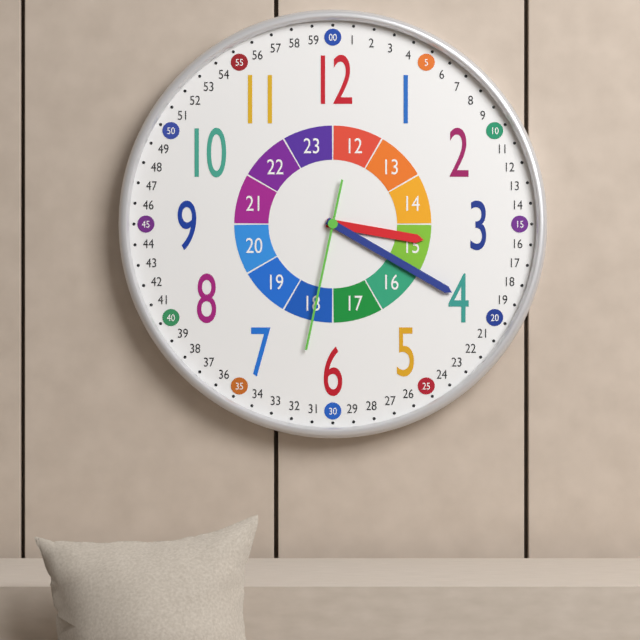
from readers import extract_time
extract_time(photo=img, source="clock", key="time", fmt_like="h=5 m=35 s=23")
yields h=3 m=20 s=32
